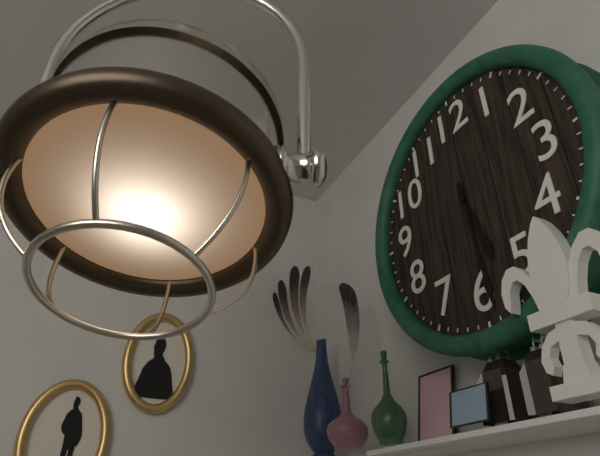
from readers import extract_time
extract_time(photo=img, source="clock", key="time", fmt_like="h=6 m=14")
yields h=5 m=29
